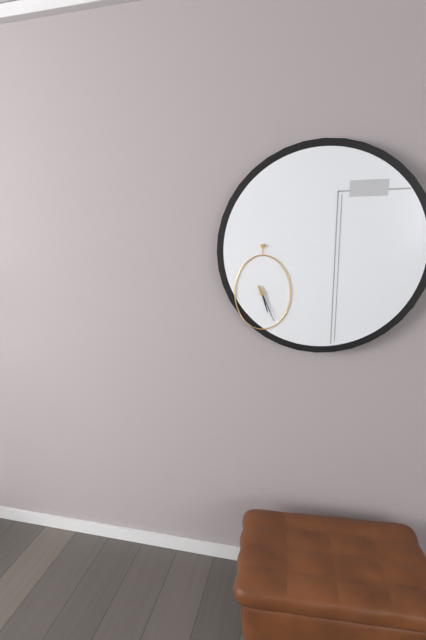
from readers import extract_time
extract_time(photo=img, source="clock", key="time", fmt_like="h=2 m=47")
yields h=5 m=26
